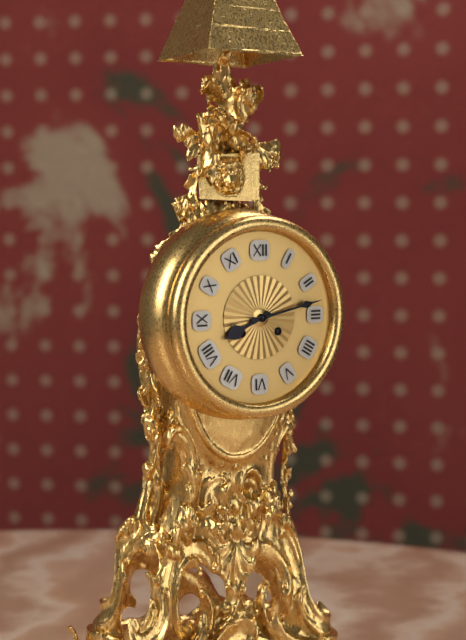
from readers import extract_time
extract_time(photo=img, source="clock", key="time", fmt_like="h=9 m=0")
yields h=8 m=13
